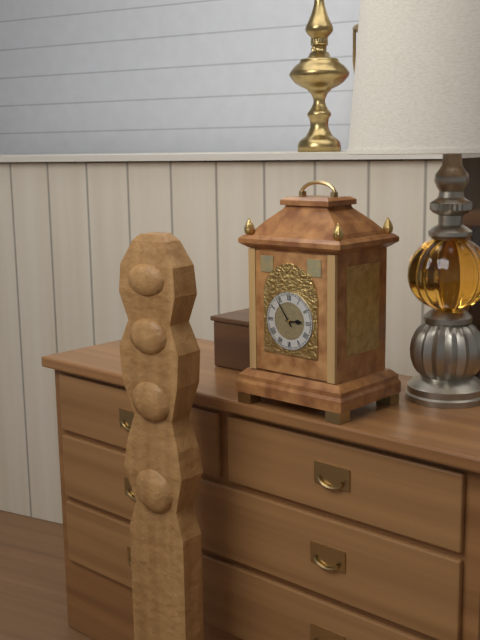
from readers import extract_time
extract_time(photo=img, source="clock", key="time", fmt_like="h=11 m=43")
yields h=2 m=54
